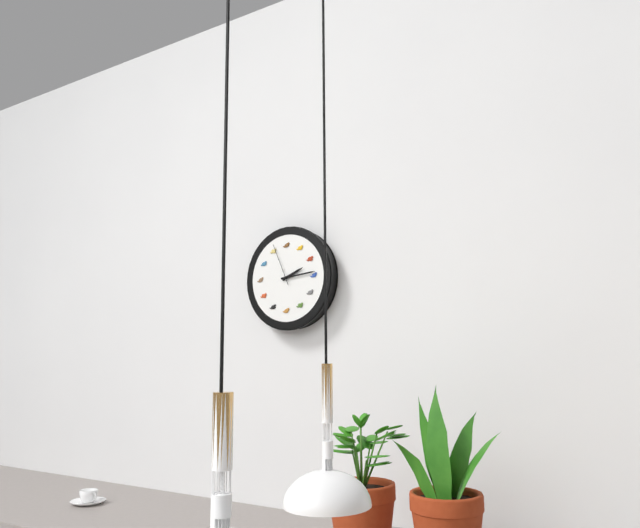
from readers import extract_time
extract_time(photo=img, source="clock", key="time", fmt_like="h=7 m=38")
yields h=2 m=14
